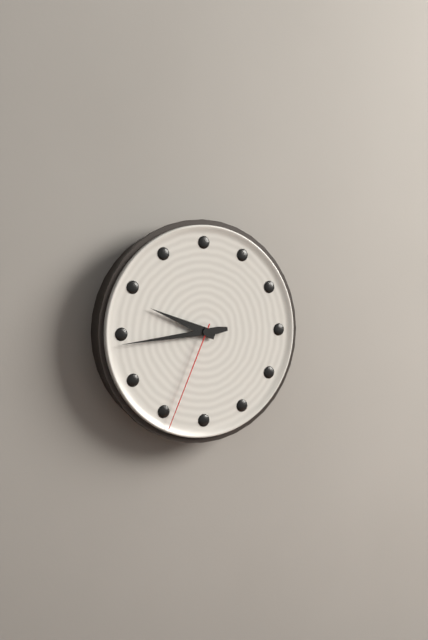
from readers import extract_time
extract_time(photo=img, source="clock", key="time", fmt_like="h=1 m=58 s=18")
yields h=9 m=44 s=34
